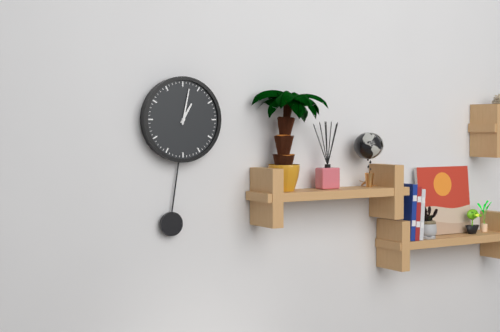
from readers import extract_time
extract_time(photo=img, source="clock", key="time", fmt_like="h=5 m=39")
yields h=1 m=2
